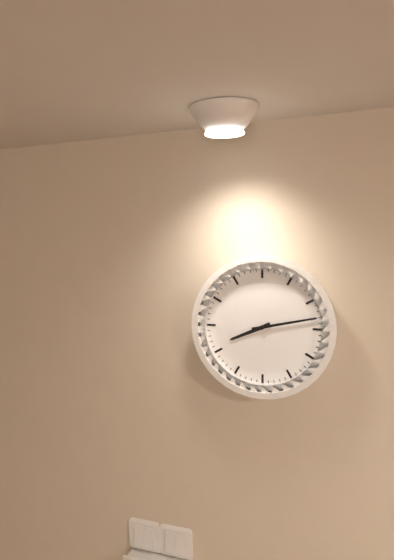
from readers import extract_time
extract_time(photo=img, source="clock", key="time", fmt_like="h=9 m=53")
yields h=8 m=13
